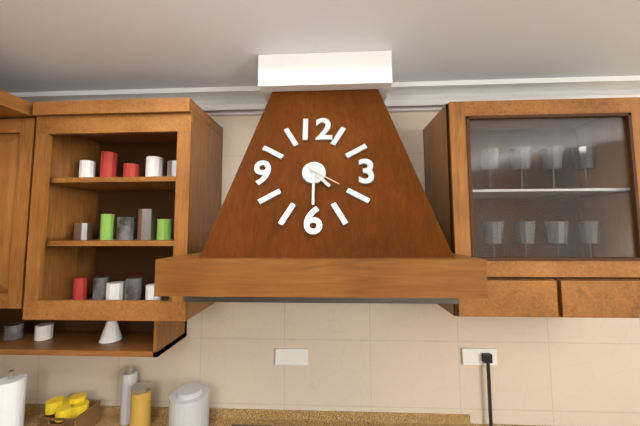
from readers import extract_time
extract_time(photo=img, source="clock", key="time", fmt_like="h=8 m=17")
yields h=4 m=30
